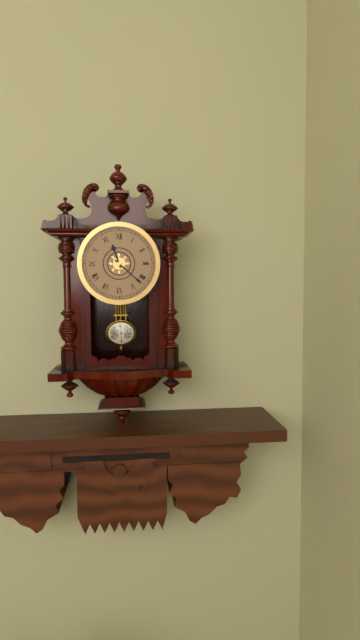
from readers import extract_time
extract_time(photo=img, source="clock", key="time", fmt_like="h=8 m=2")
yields h=11 m=22
